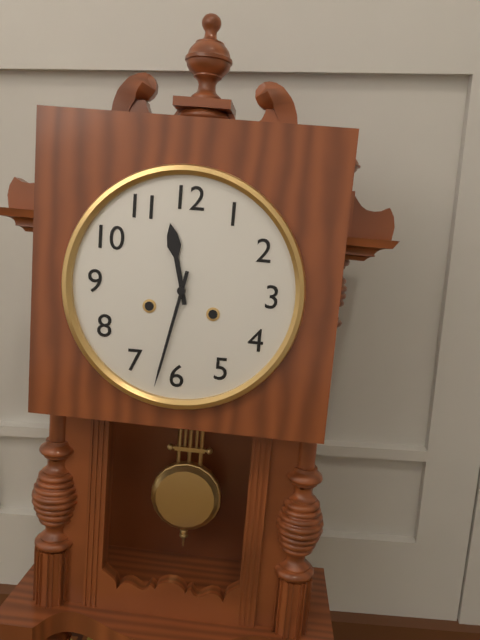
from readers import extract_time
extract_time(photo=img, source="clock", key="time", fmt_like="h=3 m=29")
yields h=11 m=32
